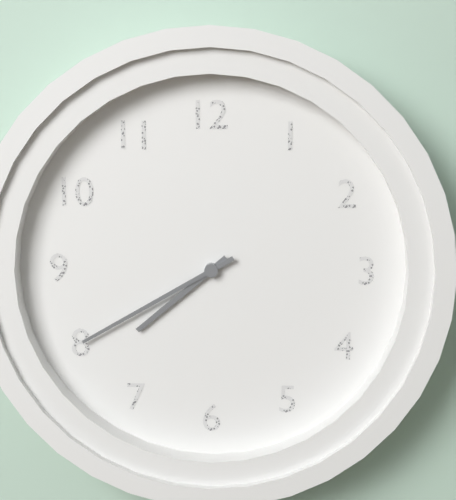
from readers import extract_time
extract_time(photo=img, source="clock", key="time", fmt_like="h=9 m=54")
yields h=7 m=40
